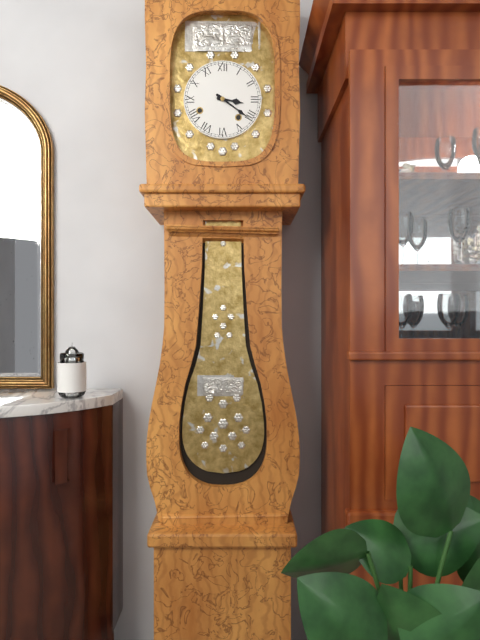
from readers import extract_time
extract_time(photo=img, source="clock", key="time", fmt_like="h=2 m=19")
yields h=3 m=21
